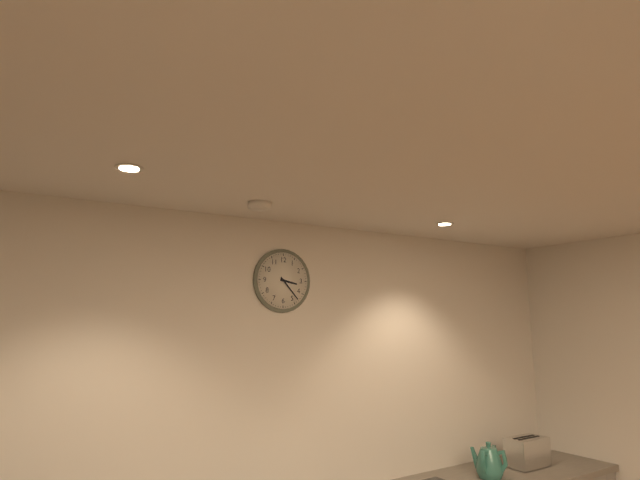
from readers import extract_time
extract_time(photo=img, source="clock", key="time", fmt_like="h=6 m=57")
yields h=3 m=23
